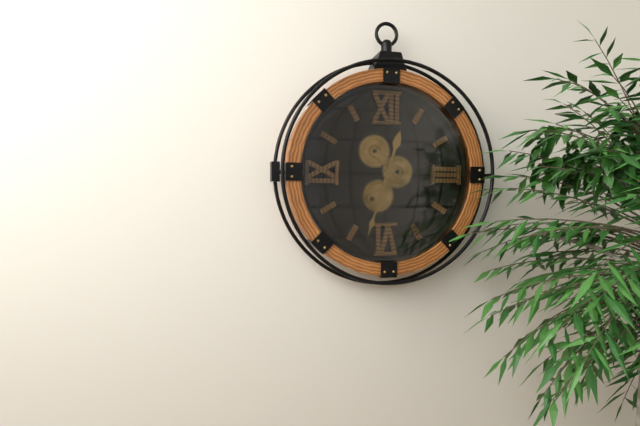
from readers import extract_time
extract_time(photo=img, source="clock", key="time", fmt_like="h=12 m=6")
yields h=12 m=33
